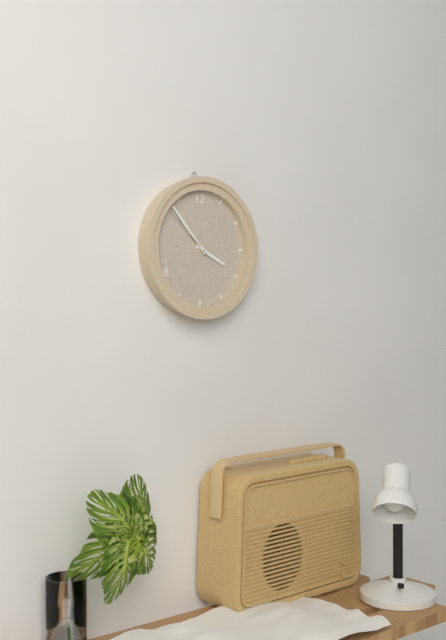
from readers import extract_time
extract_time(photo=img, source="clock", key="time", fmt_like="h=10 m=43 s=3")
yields h=3 m=53 s=52
